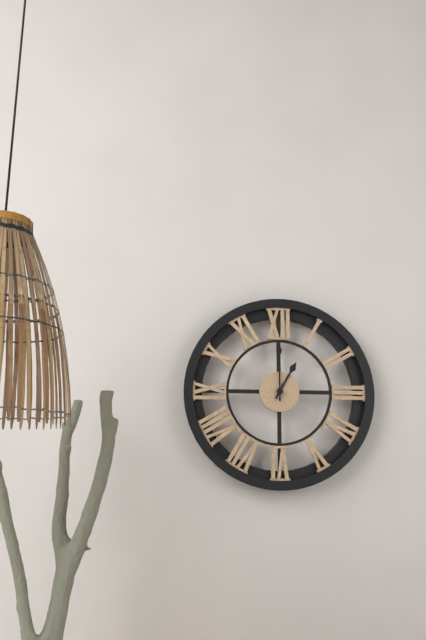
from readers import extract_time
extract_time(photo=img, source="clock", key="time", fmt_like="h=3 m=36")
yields h=1 m=0
